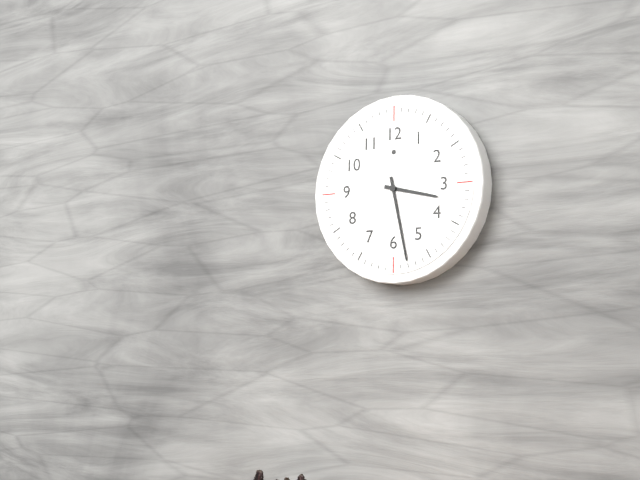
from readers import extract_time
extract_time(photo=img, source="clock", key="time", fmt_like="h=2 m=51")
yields h=3 m=28
